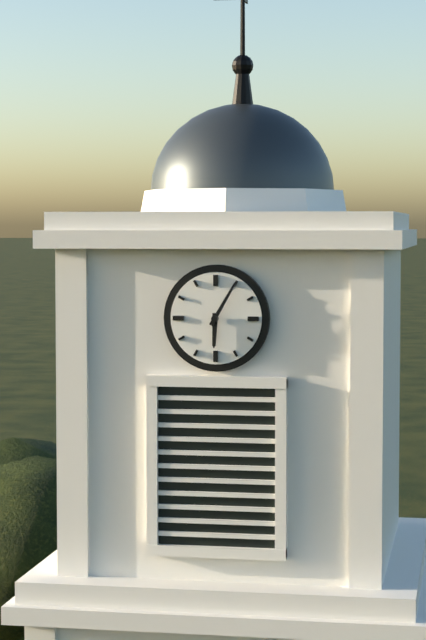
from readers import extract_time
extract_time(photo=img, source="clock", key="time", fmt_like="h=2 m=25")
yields h=6 m=5
